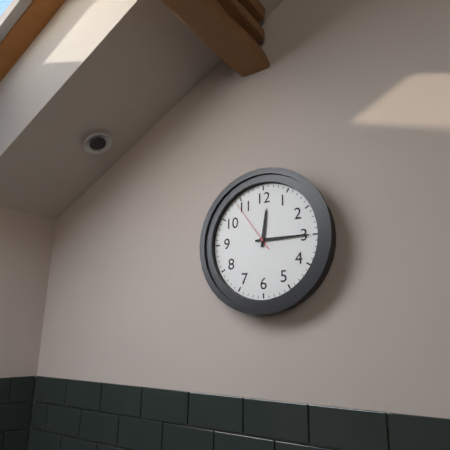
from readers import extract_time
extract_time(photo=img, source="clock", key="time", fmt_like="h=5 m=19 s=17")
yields h=12 m=15 s=54
